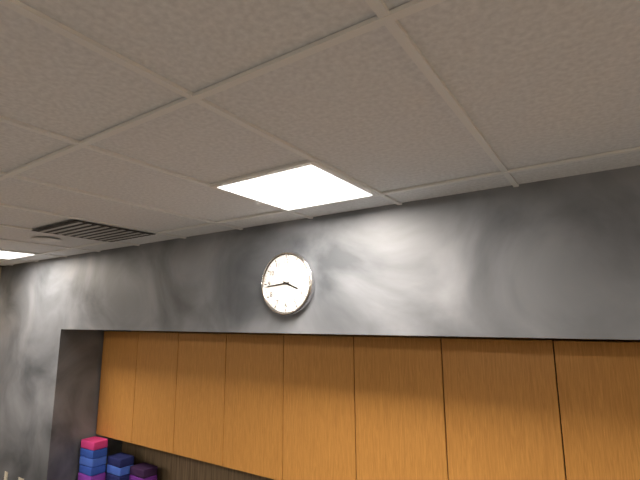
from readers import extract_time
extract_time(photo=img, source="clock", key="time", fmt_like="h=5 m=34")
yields h=3 m=44
